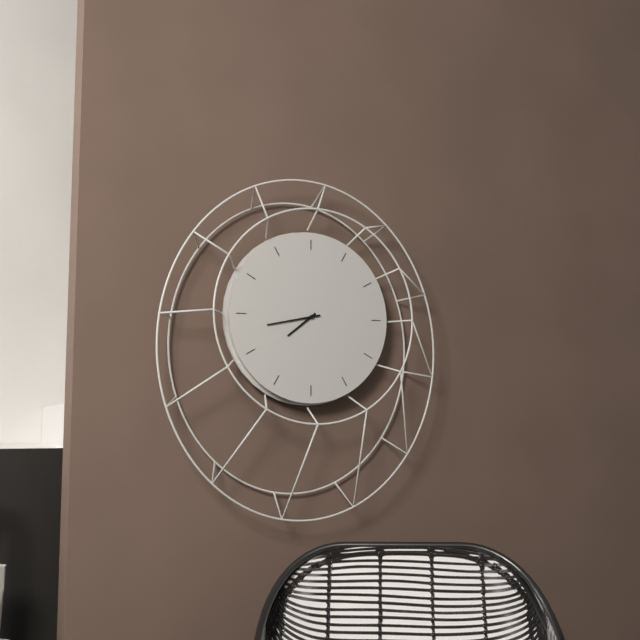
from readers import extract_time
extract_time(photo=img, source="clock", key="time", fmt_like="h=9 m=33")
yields h=7 m=43
